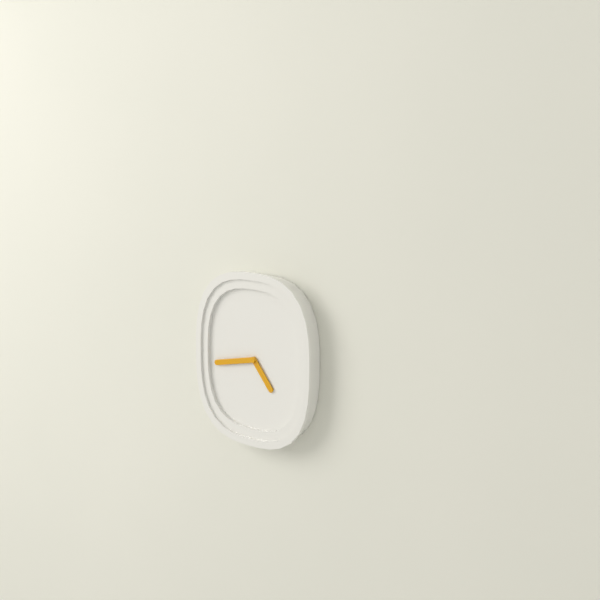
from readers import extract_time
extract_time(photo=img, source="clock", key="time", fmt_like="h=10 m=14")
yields h=4 m=43
